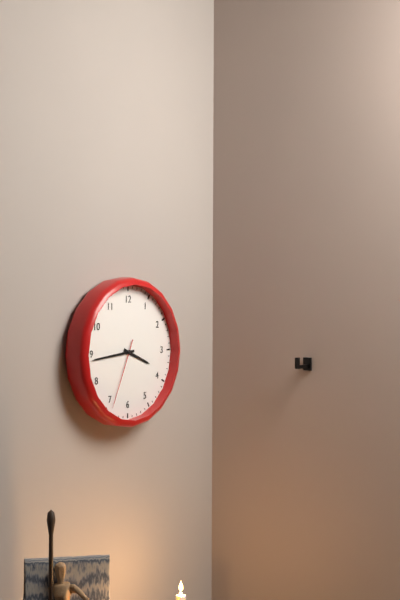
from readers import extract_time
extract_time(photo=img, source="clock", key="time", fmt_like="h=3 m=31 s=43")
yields h=3 m=44 s=34
